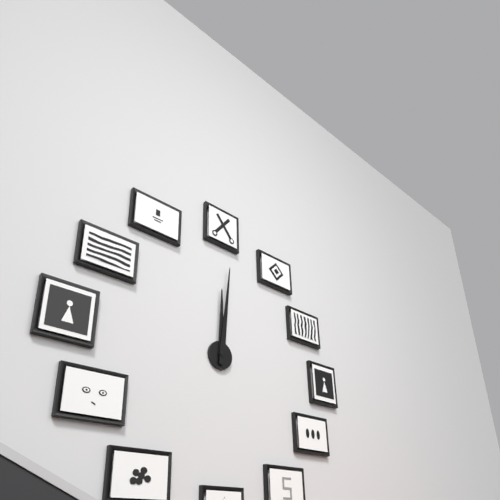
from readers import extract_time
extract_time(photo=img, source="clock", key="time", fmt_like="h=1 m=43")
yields h=12 m=1
